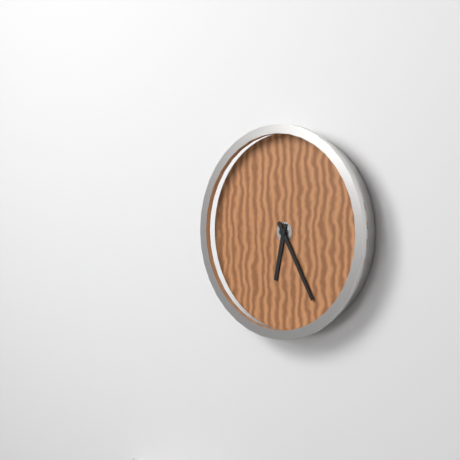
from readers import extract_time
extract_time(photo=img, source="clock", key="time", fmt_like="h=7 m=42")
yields h=6 m=25
